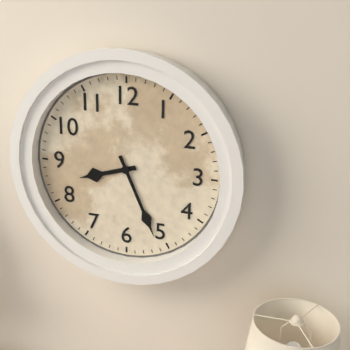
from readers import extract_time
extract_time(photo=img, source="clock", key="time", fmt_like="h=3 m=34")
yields h=8 m=26
